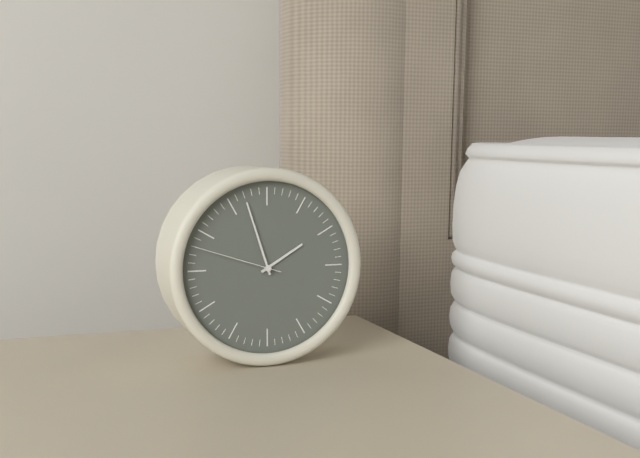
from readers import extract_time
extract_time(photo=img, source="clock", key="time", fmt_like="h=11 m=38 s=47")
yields h=1 m=57 s=48
